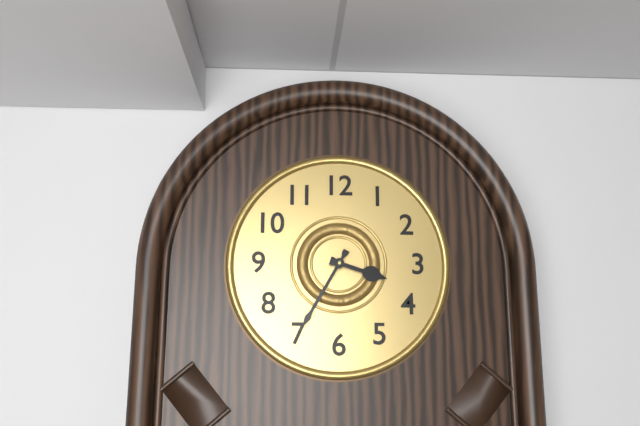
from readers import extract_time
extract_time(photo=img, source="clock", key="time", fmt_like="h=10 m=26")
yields h=3 m=35
